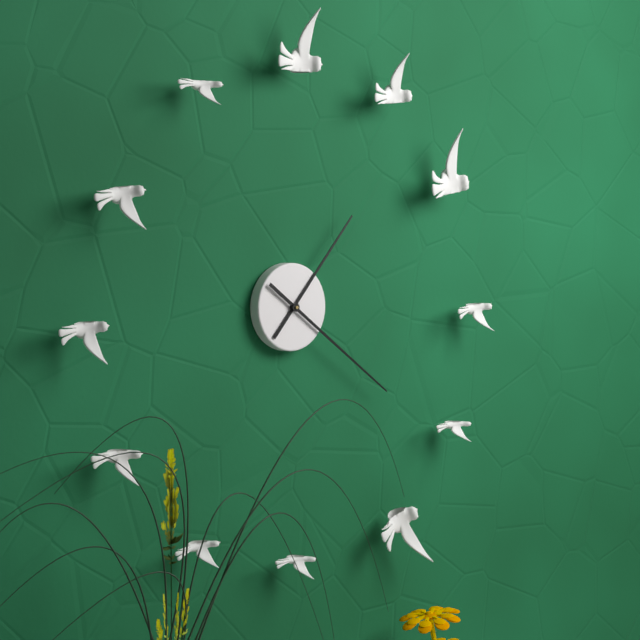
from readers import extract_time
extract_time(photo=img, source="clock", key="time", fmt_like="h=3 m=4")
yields h=1 m=21
